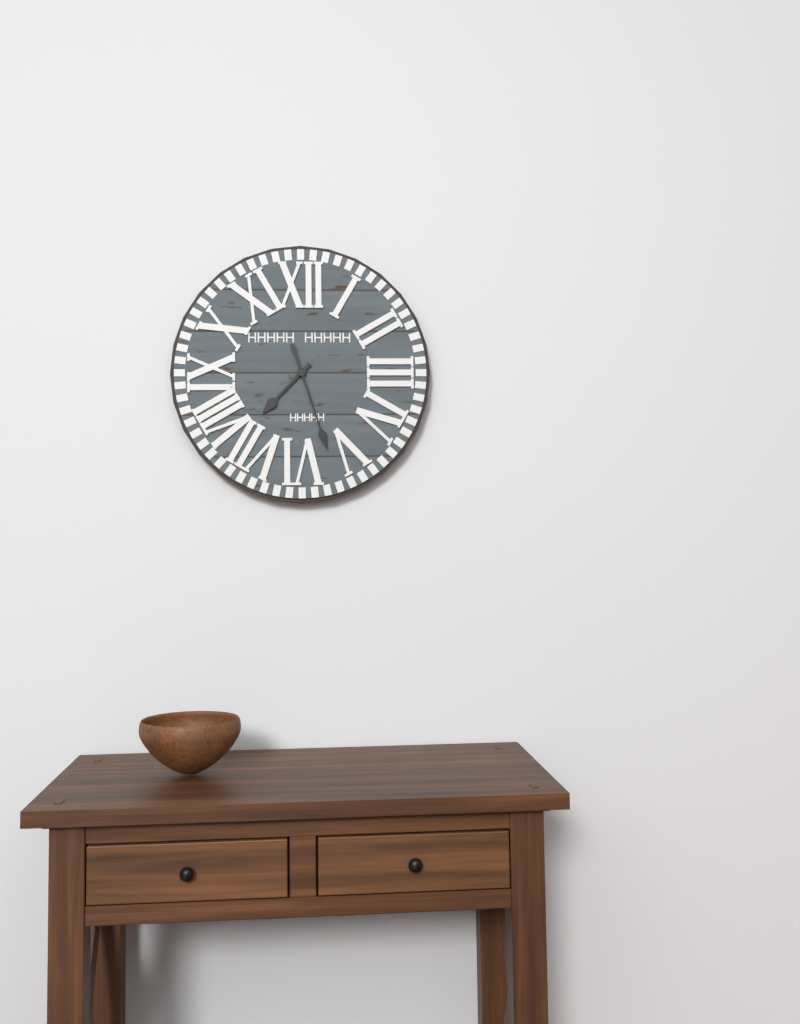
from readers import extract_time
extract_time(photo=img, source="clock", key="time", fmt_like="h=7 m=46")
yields h=7 m=27
